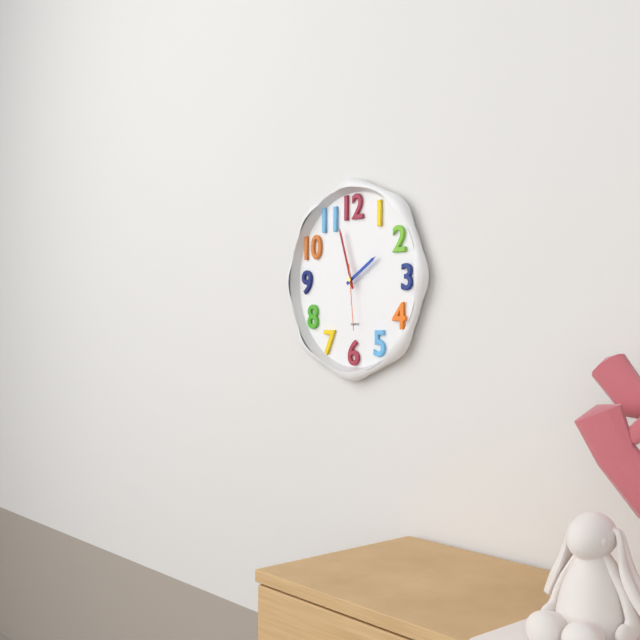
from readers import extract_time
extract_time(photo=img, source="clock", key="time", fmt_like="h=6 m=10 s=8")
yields h=1 m=57 s=29
